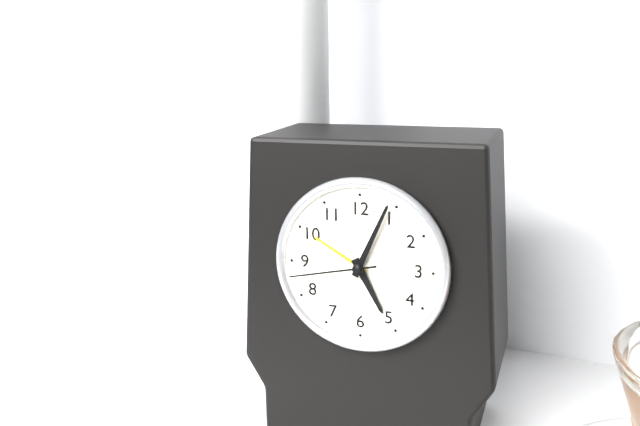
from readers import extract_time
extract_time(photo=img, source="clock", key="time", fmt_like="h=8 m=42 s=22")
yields h=5 m=4 s=43
